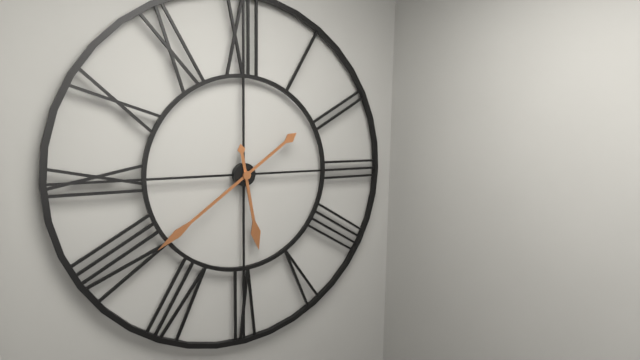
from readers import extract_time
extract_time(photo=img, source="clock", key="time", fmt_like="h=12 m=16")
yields h=5 m=39
